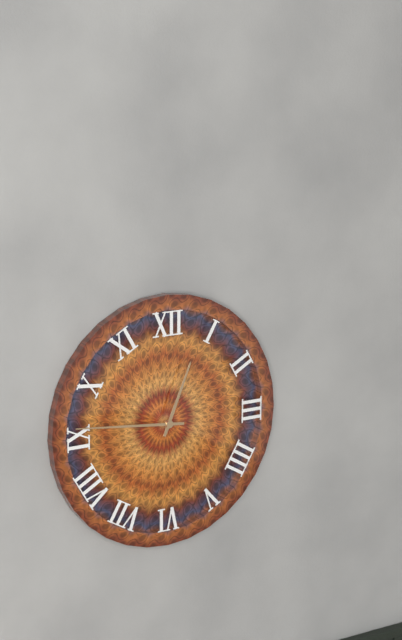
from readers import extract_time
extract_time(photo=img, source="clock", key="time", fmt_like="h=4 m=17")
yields h=12 m=46
